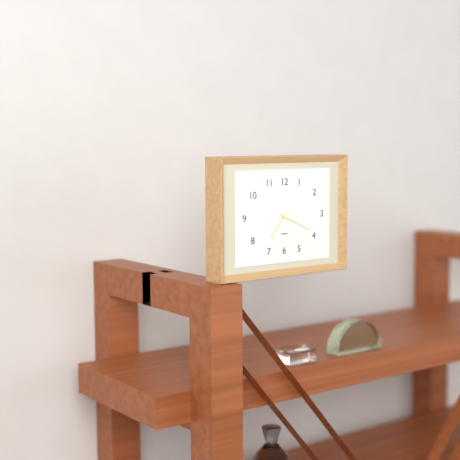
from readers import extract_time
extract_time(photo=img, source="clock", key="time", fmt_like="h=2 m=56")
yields h=7 m=19
